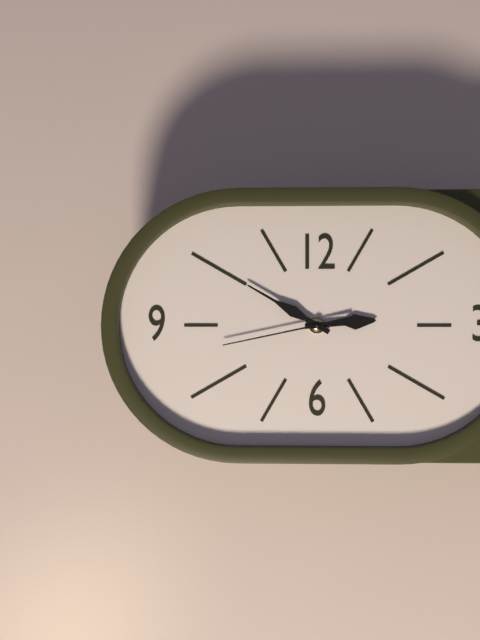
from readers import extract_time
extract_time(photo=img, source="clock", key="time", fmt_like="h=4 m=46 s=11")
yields h=2 m=50 s=43
